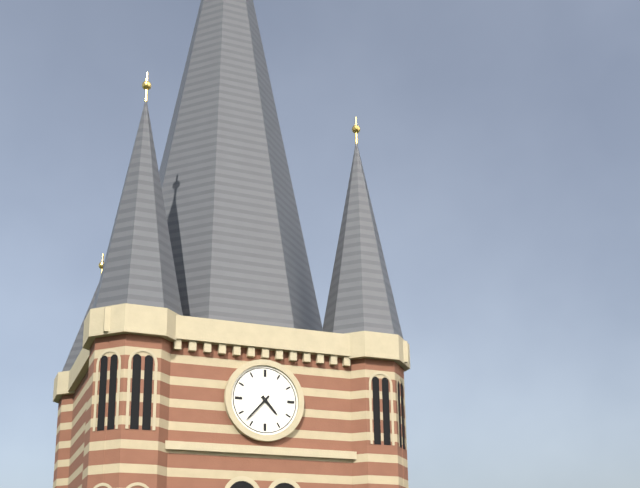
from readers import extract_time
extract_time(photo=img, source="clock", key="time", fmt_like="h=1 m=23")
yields h=4 m=37
